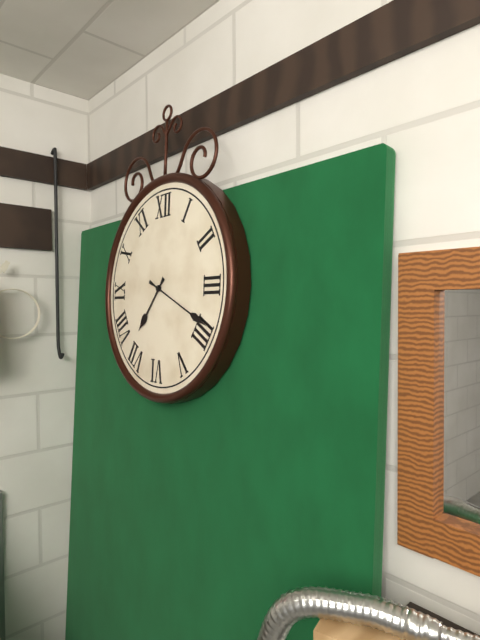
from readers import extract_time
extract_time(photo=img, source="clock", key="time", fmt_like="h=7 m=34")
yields h=7 m=19
